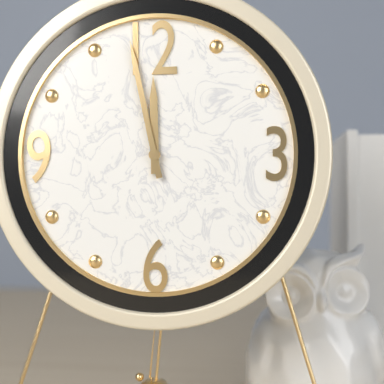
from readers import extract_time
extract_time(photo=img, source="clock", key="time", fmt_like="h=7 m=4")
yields h=11 m=58
